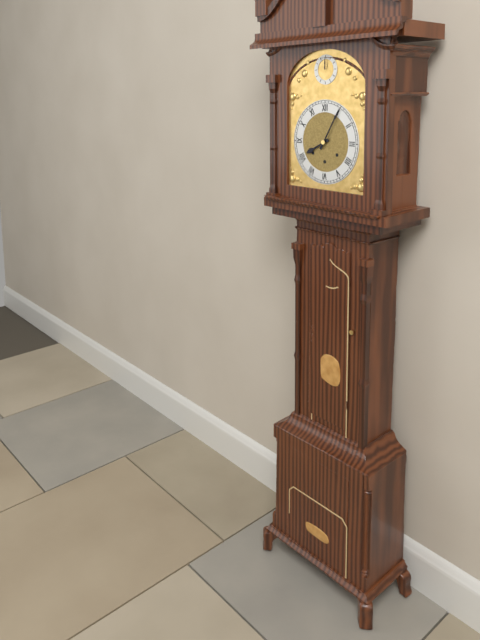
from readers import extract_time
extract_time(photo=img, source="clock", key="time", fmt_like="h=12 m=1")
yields h=8 m=5
